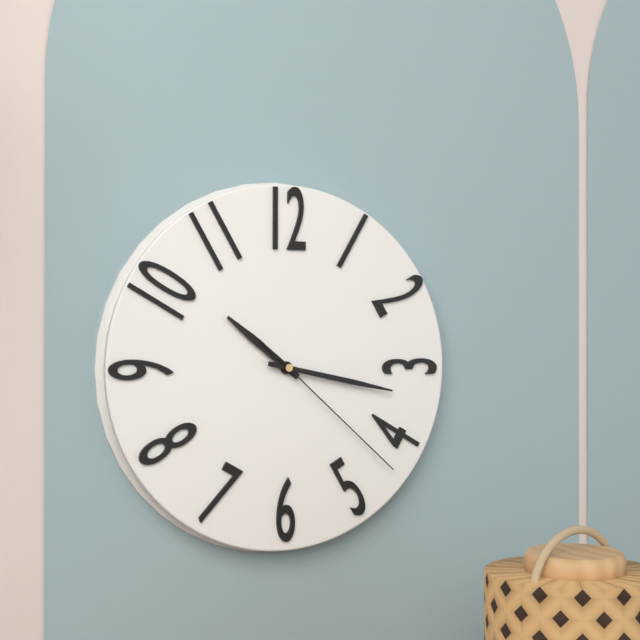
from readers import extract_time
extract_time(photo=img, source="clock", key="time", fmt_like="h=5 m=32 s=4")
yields h=10 m=17 s=22
